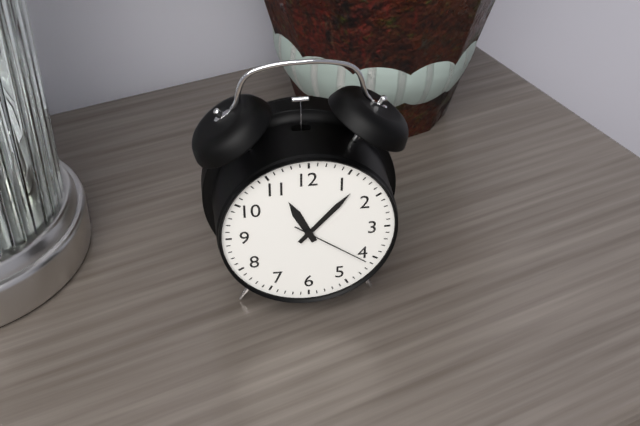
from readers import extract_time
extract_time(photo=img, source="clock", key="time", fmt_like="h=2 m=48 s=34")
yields h=11 m=7 s=21
